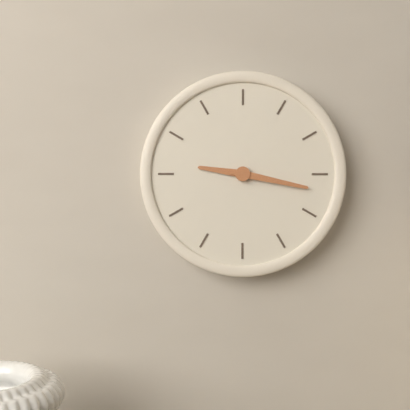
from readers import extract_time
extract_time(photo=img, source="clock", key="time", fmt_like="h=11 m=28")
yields h=9 m=17
